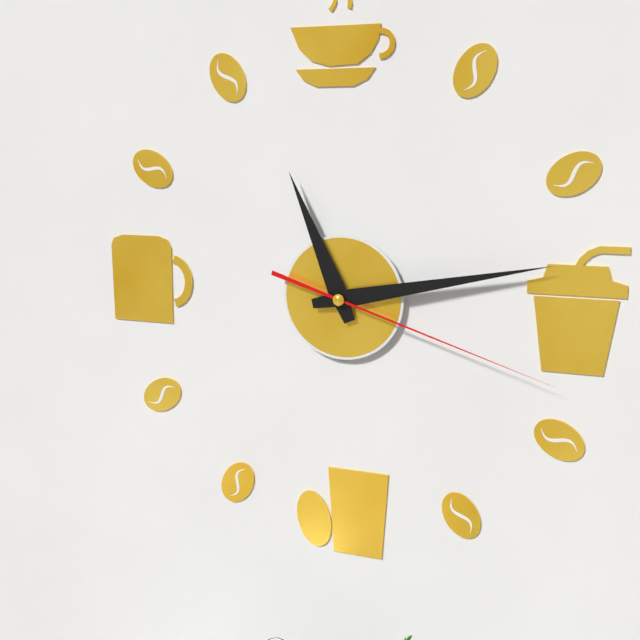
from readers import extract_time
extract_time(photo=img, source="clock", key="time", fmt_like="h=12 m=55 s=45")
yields h=11 m=13 s=18
